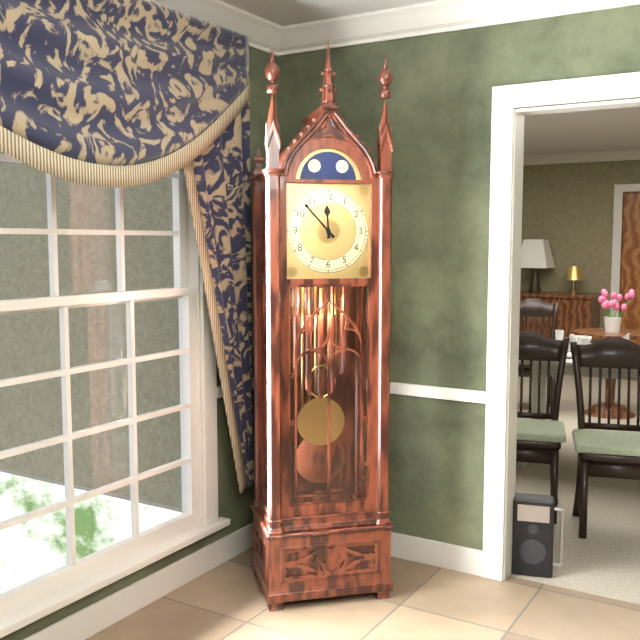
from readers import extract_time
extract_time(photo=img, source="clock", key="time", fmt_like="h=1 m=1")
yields h=11 m=53
